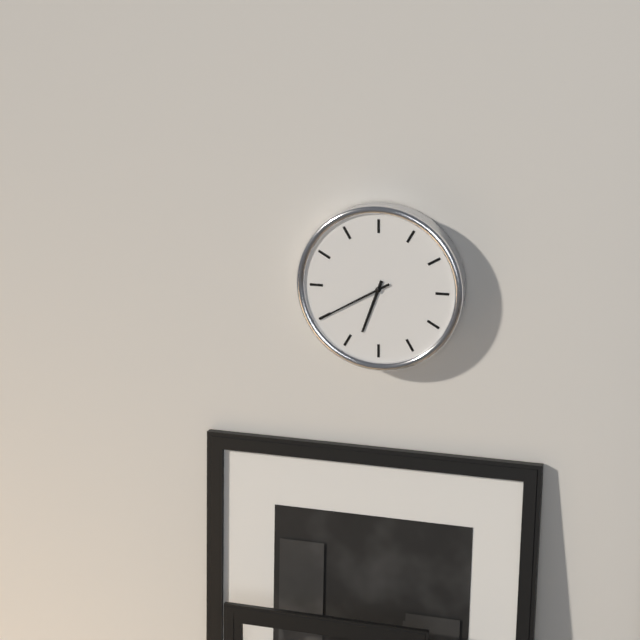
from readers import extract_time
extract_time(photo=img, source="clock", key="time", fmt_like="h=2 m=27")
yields h=6 m=40
